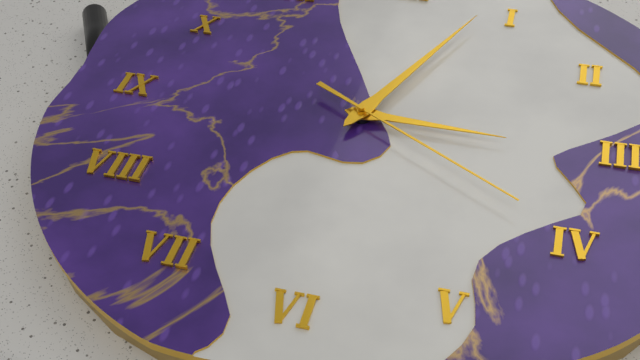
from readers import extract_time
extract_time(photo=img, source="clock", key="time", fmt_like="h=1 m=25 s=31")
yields h=3 m=4 s=20
